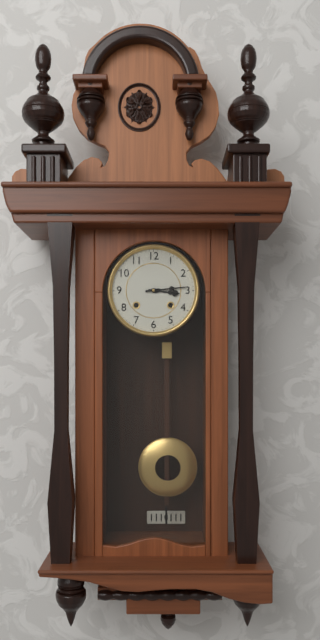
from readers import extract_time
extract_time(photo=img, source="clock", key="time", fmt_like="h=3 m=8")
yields h=3 m=14
